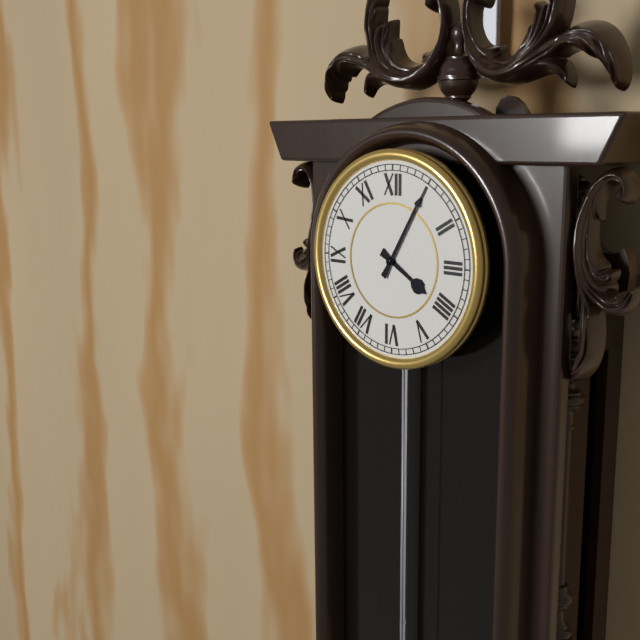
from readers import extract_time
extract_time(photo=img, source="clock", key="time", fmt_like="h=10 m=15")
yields h=4 m=5
